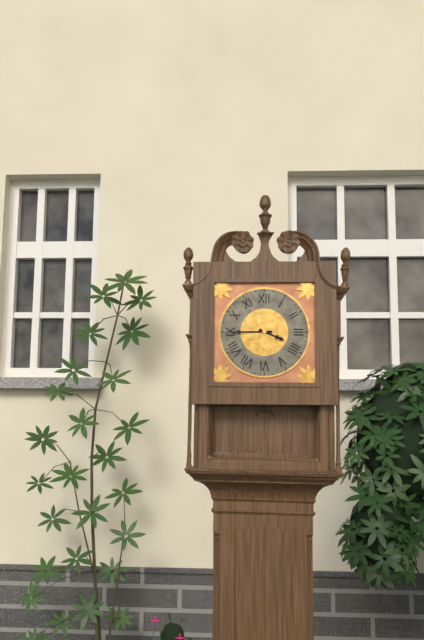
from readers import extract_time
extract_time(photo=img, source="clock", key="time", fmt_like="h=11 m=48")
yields h=3 m=45
